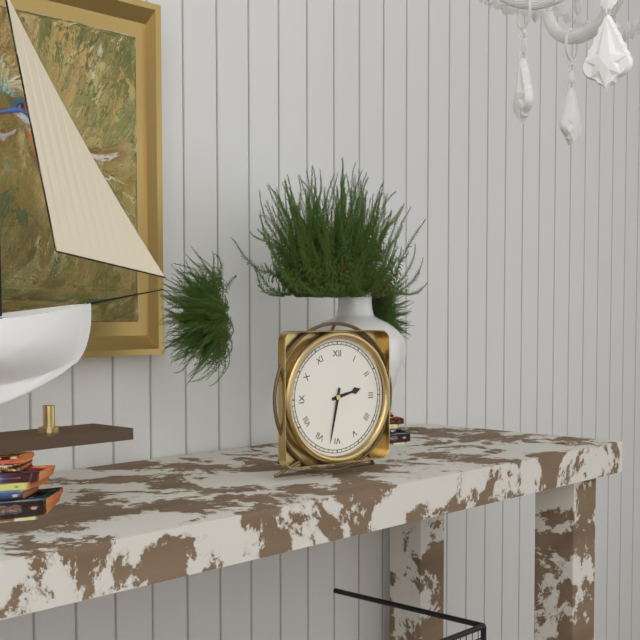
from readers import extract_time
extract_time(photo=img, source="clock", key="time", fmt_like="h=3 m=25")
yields h=2 m=32
